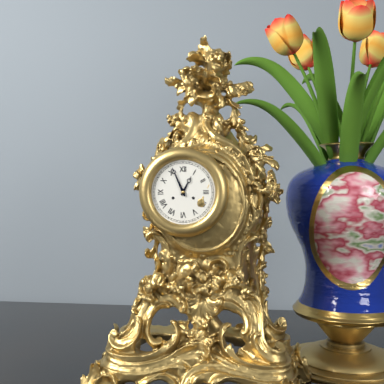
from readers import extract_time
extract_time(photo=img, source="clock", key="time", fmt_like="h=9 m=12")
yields h=12 m=56
